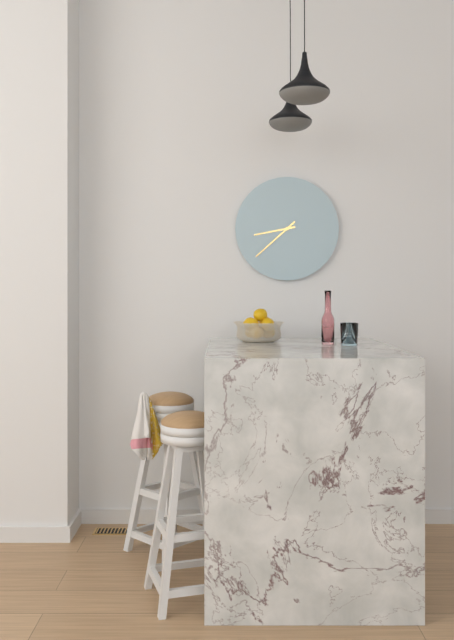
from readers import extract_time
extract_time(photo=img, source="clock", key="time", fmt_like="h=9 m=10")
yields h=8 m=38
